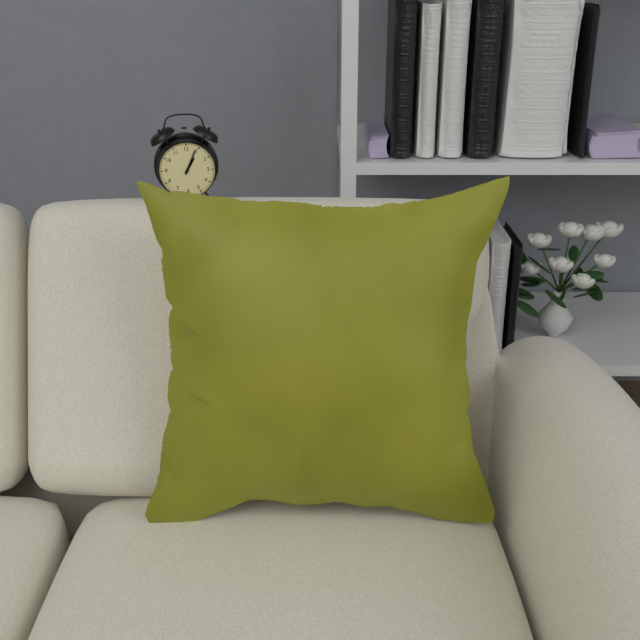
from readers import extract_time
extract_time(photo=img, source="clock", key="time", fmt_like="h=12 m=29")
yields h=1 m=4
